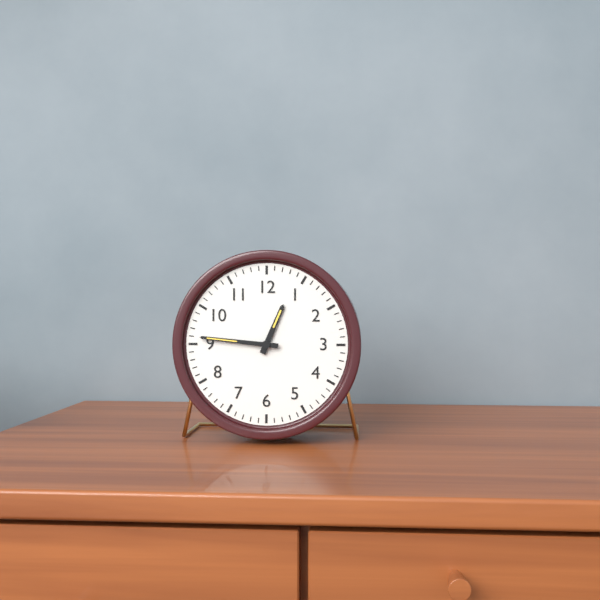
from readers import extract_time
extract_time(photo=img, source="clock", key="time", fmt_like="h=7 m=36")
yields h=12 m=46
